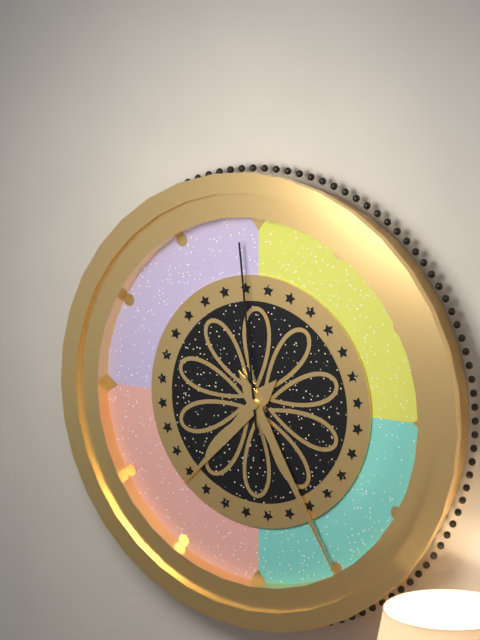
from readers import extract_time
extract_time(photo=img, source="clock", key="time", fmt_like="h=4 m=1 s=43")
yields h=7 m=25 s=59
